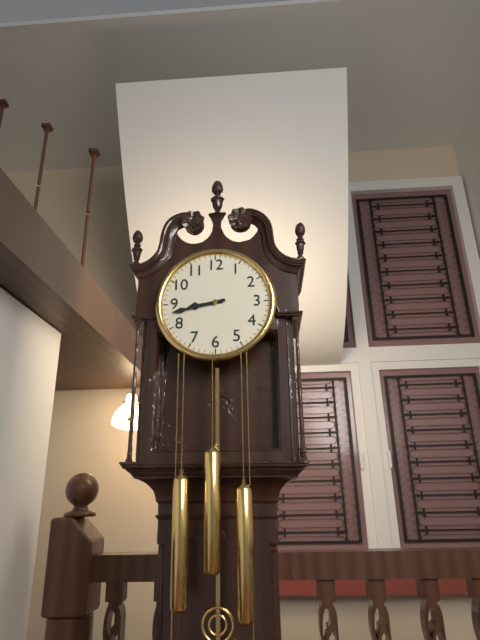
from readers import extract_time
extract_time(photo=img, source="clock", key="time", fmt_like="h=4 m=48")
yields h=8 m=43
